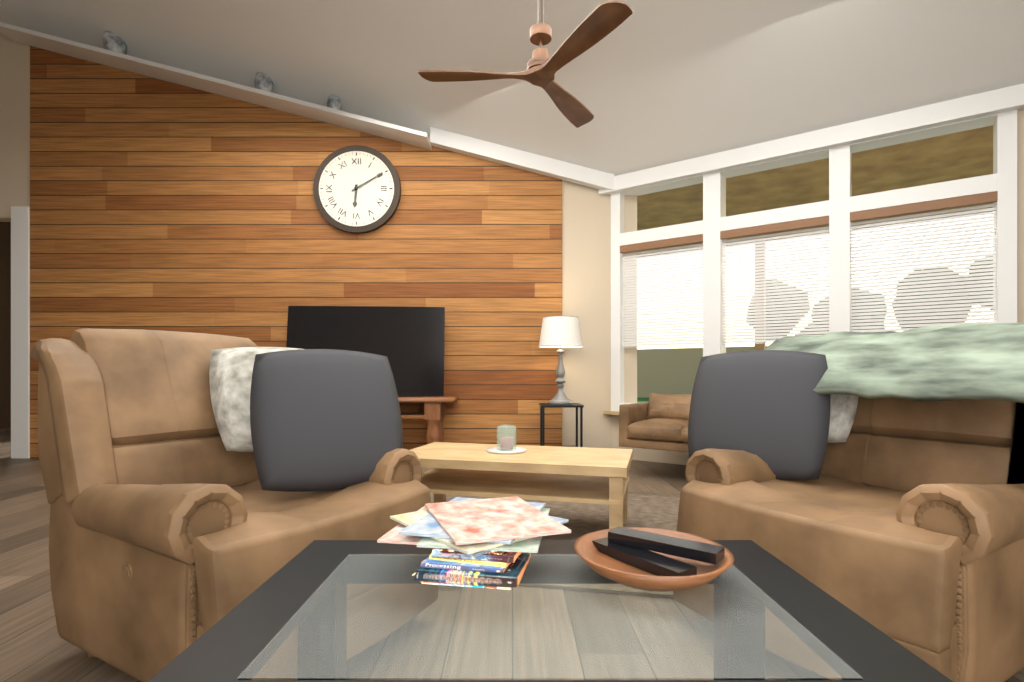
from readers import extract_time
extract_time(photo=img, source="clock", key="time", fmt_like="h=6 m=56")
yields h=6 m=10
